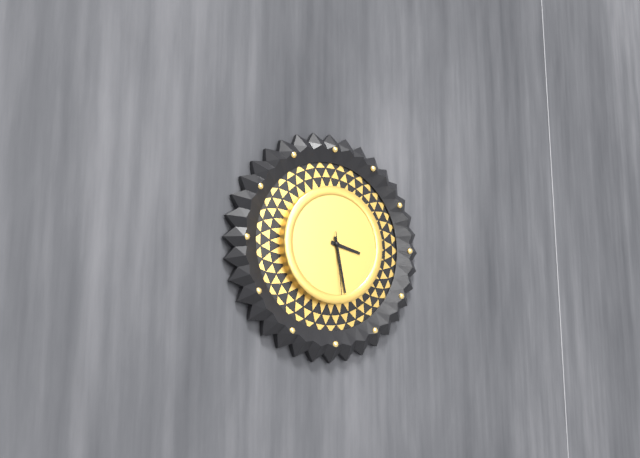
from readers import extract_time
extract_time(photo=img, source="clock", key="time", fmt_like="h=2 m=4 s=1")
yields h=3 m=28 s=29
